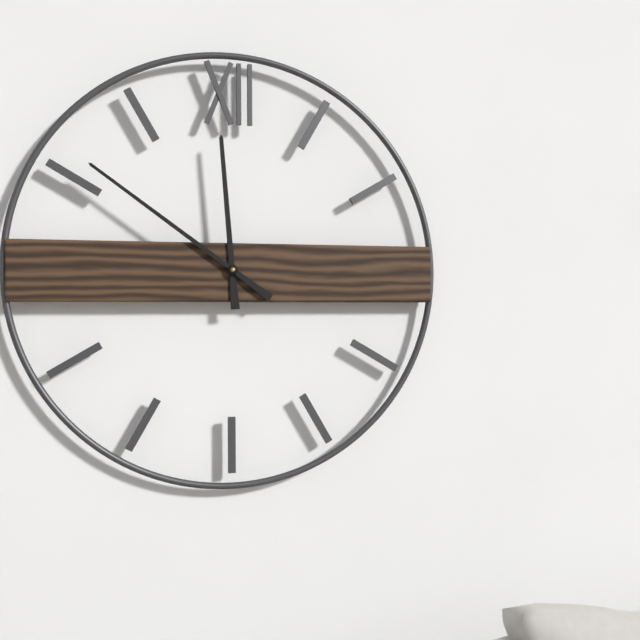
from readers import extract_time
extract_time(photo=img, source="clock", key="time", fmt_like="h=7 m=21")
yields h=11 m=51
